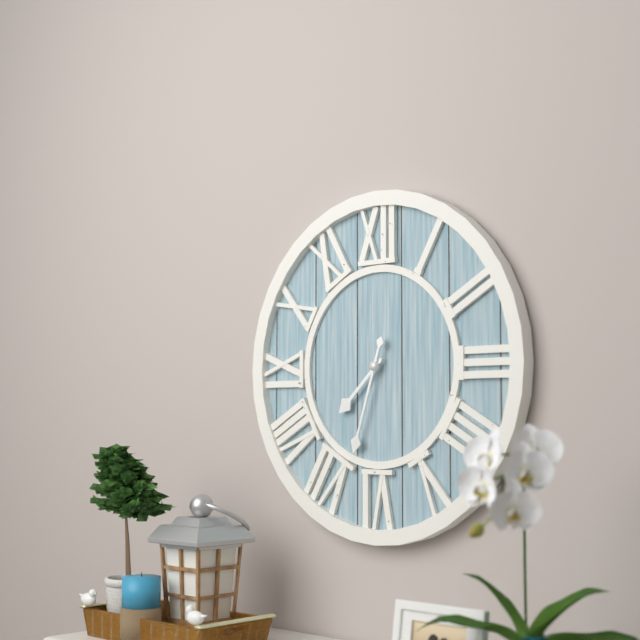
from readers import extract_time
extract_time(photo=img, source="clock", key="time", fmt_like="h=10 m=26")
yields h=7 m=33
